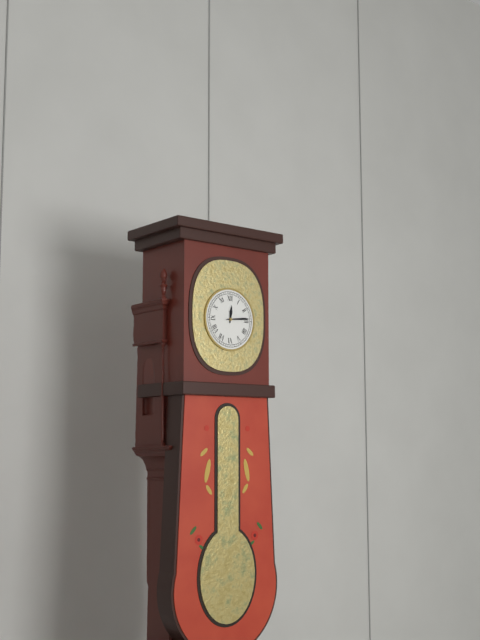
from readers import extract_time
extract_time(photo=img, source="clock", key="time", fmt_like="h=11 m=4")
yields h=12 m=14
